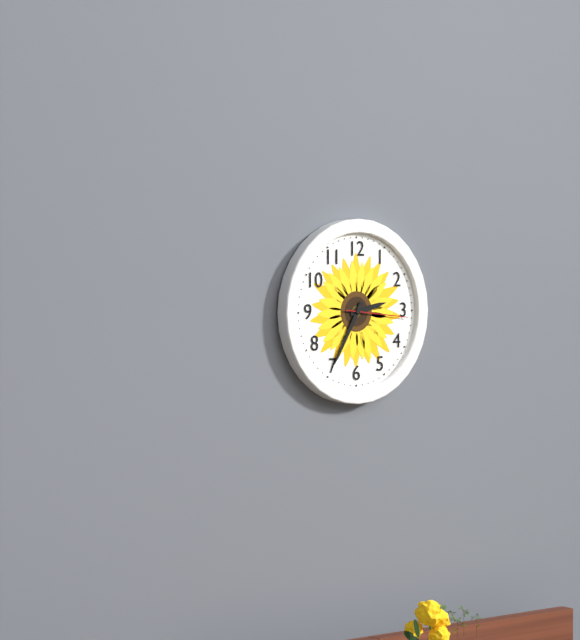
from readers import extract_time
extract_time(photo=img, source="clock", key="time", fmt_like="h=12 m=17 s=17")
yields h=2 m=35 s=16
